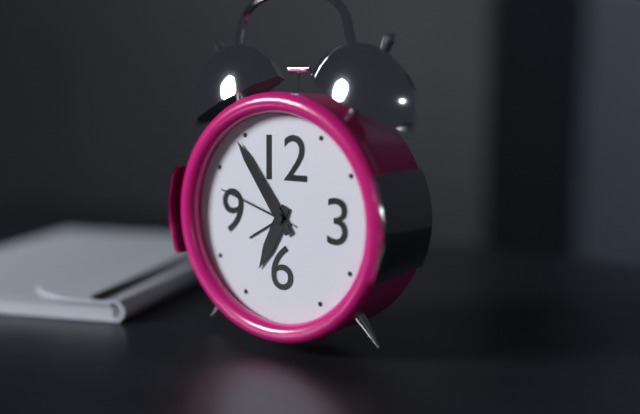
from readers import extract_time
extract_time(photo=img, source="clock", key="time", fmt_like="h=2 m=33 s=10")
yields h=6 m=54 s=48
